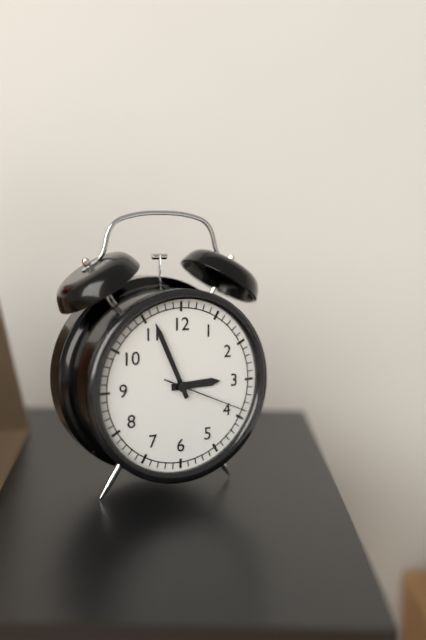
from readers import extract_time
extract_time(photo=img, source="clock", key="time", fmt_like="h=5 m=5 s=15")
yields h=2 m=56 s=19
